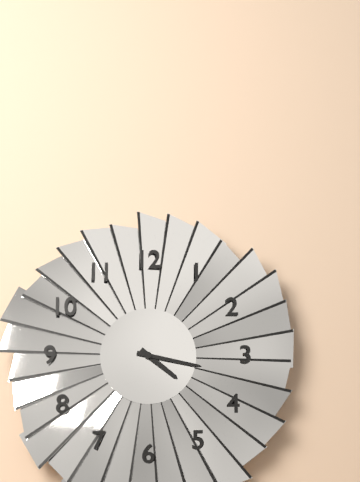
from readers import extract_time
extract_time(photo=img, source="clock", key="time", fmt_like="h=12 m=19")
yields h=4 m=17
